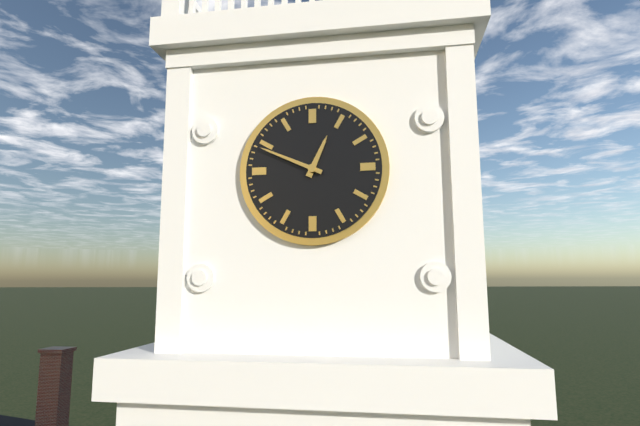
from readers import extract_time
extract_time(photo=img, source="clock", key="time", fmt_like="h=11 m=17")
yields h=12 m=49
